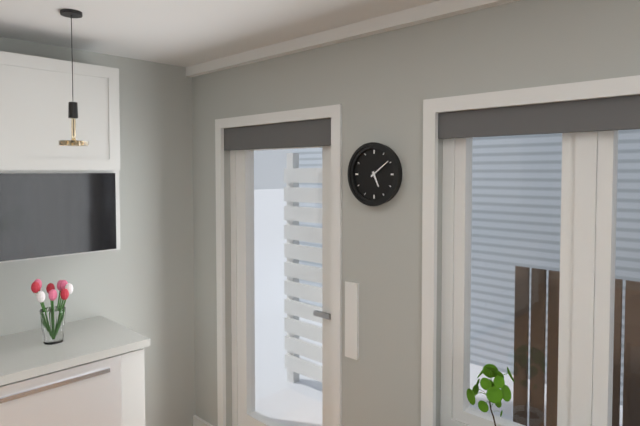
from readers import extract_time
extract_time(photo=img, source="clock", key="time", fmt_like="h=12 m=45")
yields h=5 m=9
